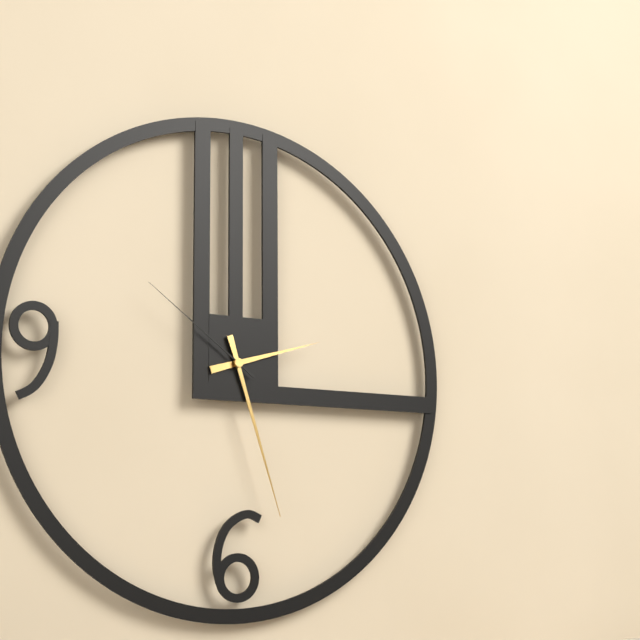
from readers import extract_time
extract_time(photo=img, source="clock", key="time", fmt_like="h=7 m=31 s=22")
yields h=2 m=27 s=51
